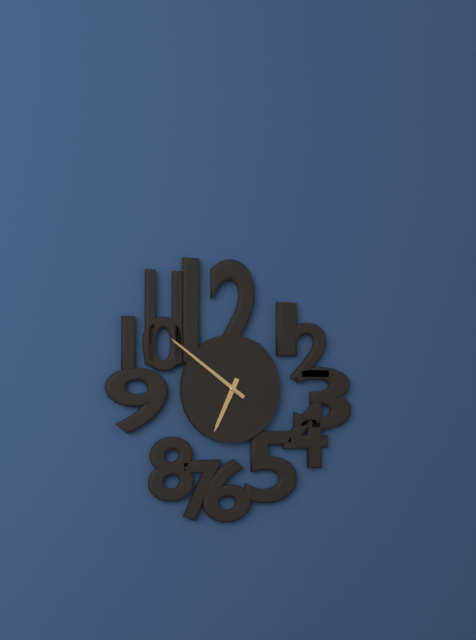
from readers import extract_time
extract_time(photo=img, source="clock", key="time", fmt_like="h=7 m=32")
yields h=6 m=51
